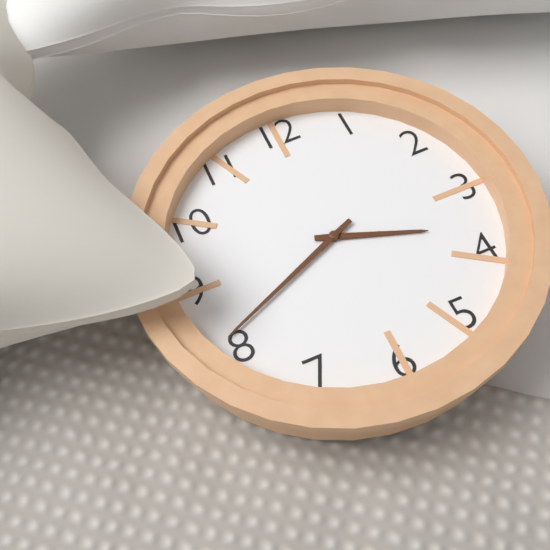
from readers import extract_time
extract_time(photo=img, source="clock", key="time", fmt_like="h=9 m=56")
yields h=3 m=41
